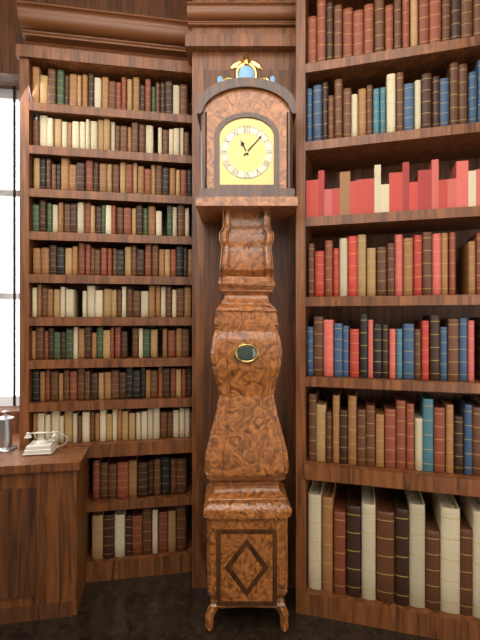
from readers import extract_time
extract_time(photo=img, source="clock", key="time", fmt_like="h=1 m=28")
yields h=11 m=7
